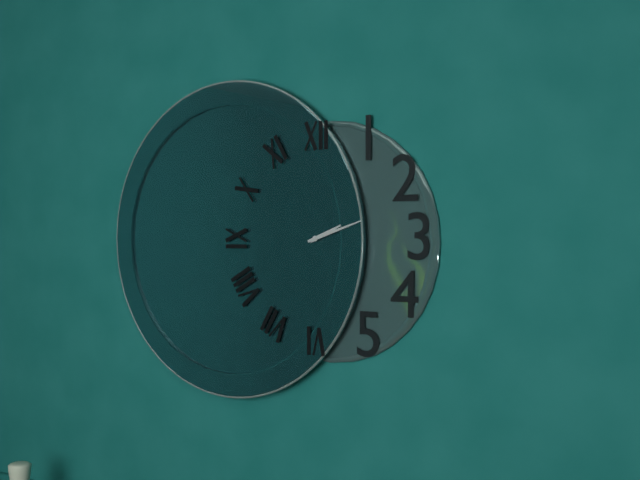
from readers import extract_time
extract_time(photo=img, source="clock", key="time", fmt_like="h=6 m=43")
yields h=2 m=12
